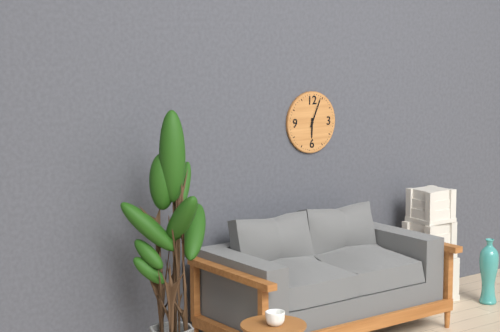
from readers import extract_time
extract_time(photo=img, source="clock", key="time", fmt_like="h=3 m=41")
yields h=6 m=4
